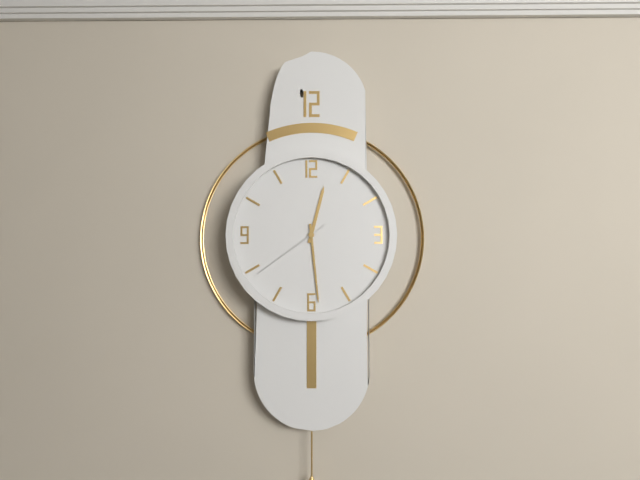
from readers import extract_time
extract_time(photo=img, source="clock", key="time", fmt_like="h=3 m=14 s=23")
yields h=12 m=29 s=39
